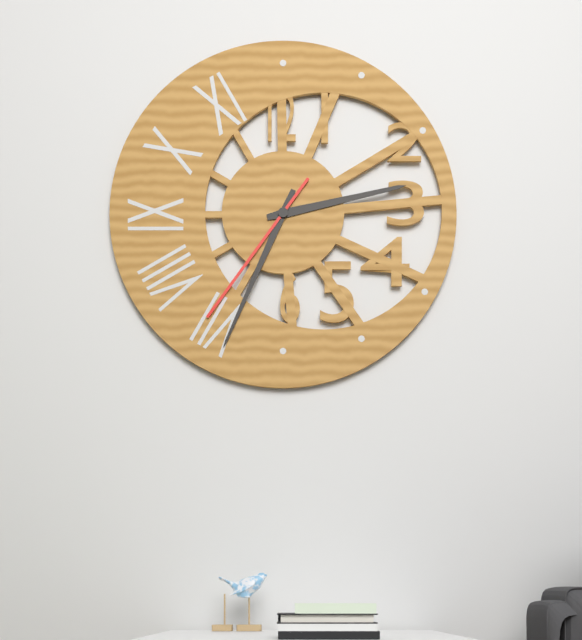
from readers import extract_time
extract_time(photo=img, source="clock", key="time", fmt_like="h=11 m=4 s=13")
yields h=2 m=34 s=36
